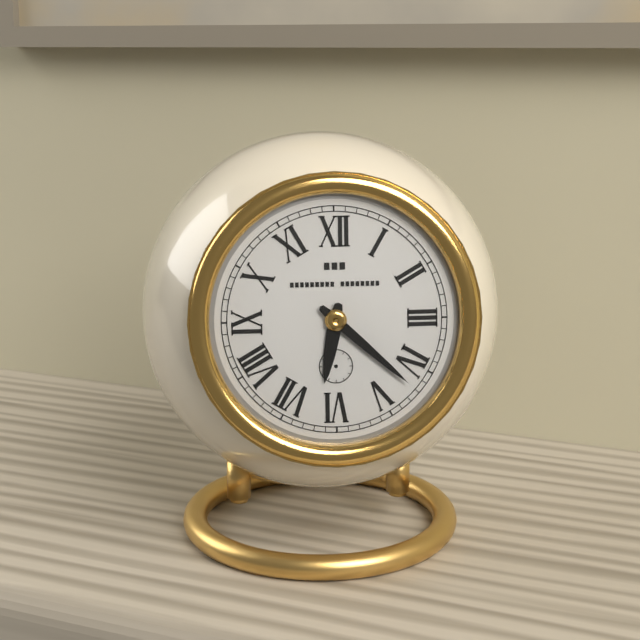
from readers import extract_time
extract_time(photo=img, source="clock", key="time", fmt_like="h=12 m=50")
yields h=6 m=22
